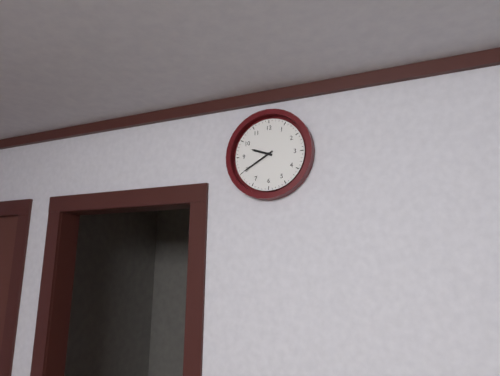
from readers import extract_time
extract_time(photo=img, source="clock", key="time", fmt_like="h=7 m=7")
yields h=9 m=40
